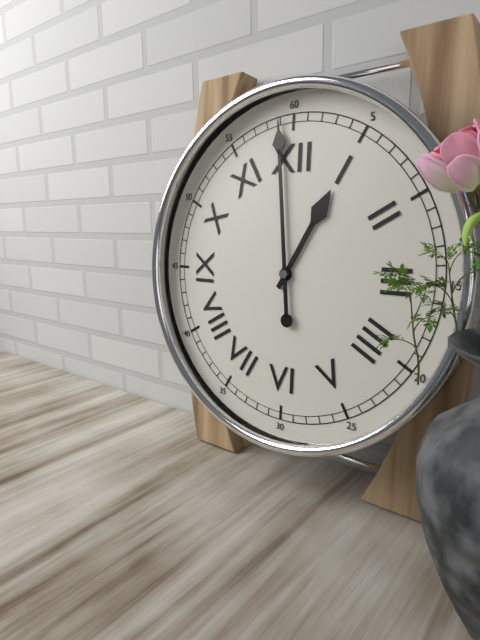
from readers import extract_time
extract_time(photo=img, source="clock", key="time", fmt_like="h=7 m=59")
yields h=12 m=59
